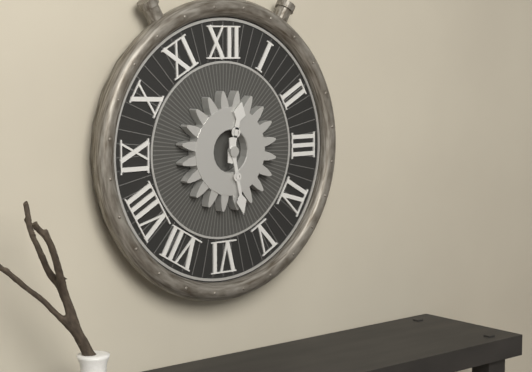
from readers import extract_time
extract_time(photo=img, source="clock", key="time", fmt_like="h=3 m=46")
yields h=12 m=28
